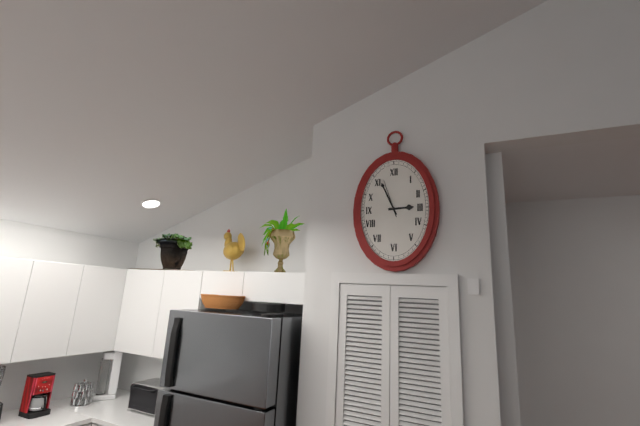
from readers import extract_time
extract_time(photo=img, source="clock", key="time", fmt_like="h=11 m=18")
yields h=2 m=56
